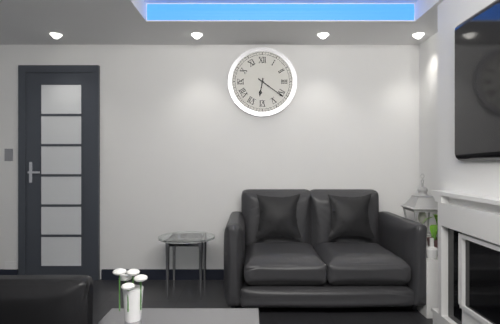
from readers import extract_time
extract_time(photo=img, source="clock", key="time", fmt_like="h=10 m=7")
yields h=6 m=21
